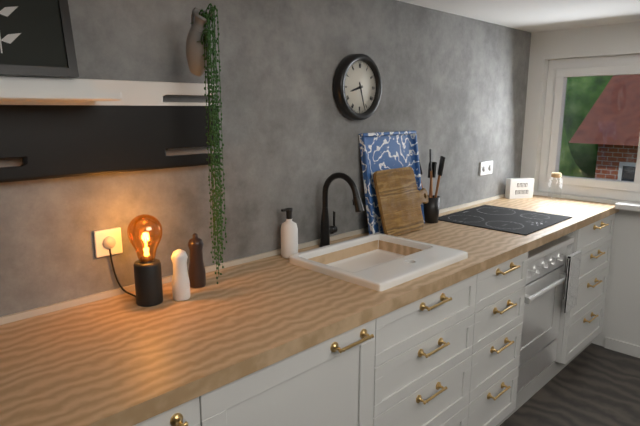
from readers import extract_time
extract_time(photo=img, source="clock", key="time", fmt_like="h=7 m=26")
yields h=8 m=27
